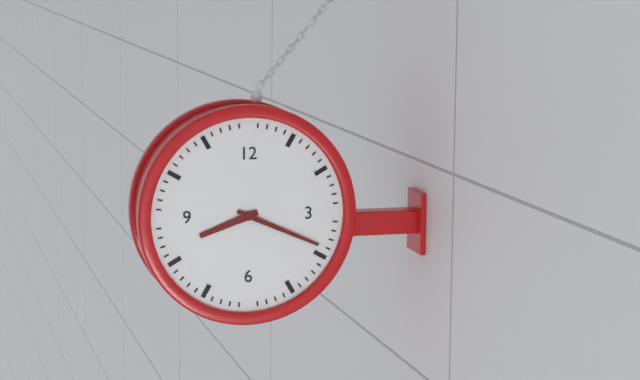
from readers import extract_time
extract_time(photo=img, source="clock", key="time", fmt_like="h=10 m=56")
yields h=8 m=19
